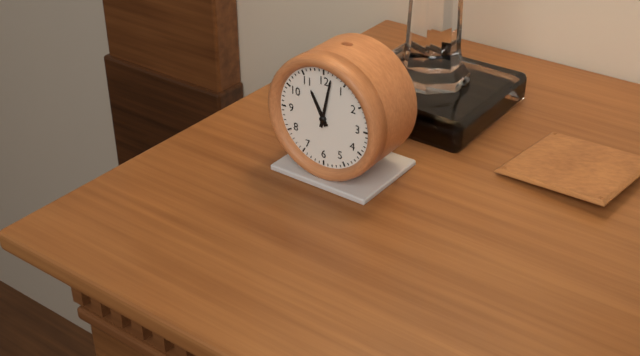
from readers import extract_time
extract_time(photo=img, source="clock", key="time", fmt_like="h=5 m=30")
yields h=11 m=2
